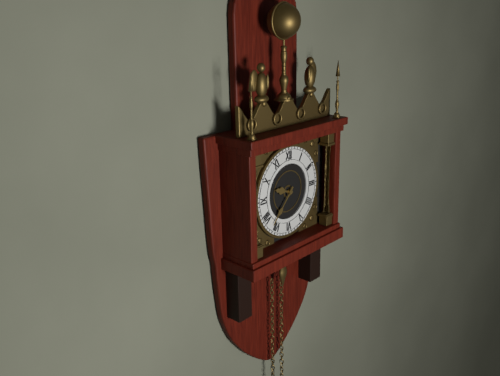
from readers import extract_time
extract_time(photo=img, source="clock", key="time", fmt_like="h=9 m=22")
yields h=9 m=37
